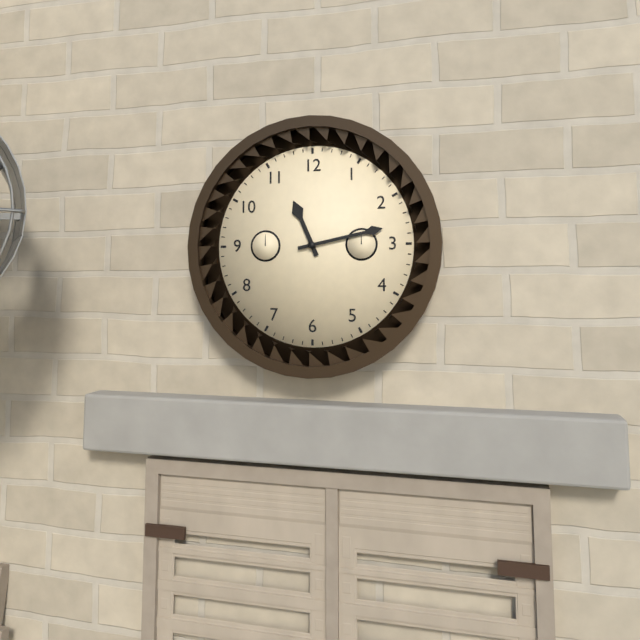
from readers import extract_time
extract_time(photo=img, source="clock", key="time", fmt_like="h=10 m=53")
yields h=11 m=13
